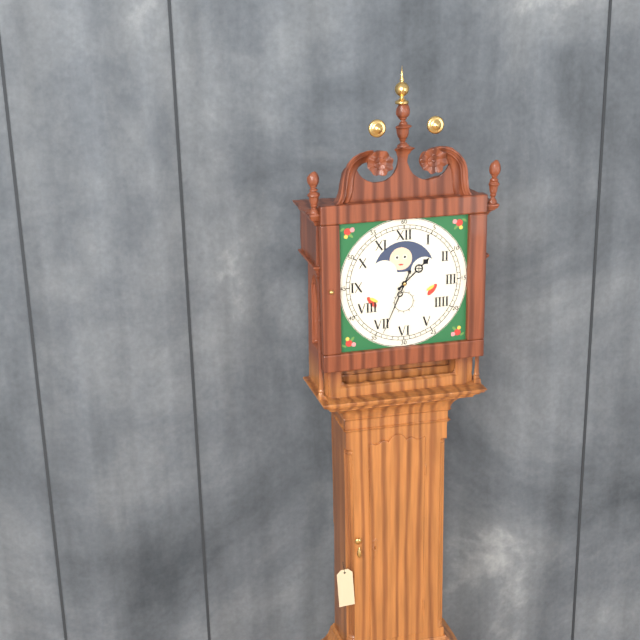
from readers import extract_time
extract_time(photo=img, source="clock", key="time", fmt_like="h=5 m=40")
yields h=1 m=34
